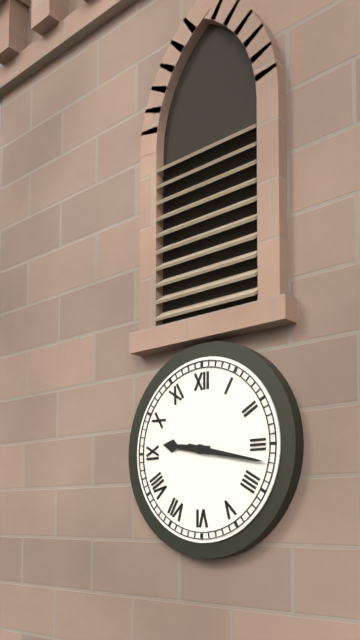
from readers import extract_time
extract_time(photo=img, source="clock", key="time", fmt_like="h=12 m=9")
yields h=9 m=17
